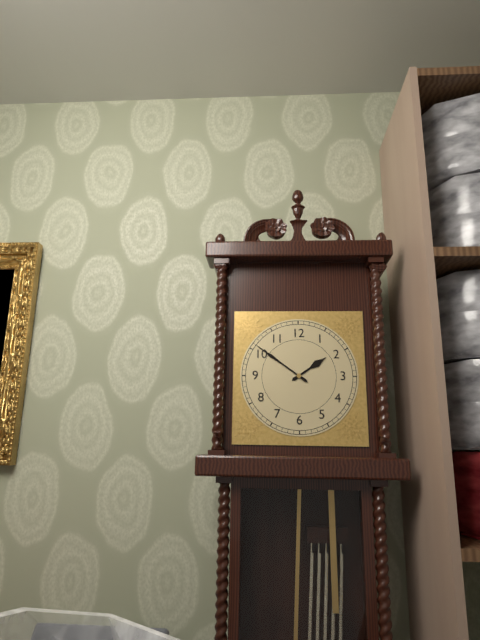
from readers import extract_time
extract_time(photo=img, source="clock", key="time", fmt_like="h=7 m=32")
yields h=1 m=51
